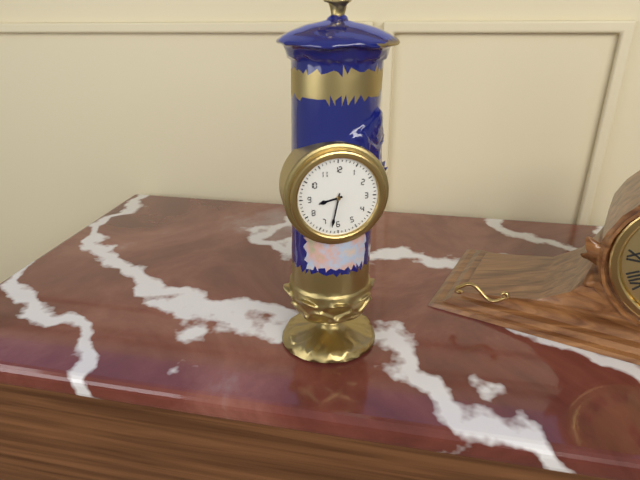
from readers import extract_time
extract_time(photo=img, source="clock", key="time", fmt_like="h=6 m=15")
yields h=8 m=32
